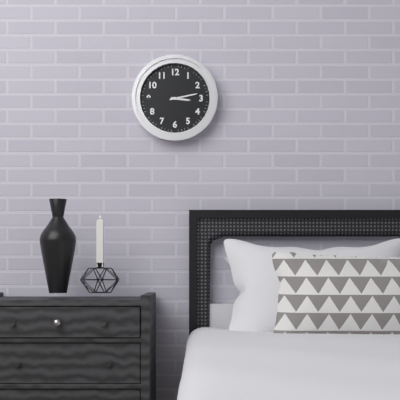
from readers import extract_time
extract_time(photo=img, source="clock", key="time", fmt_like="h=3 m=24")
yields h=3 m=13
